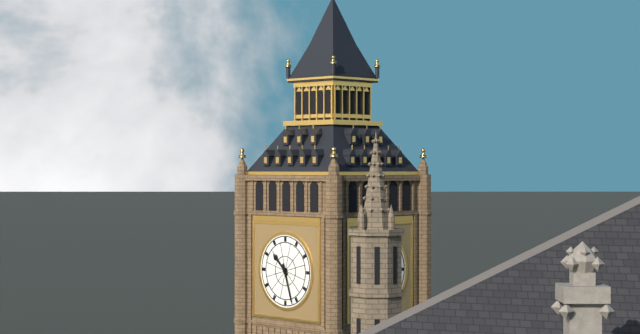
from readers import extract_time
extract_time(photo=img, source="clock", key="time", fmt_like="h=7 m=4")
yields h=10 m=27
